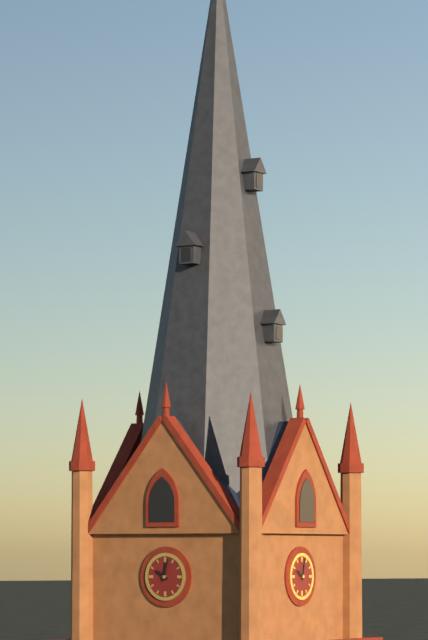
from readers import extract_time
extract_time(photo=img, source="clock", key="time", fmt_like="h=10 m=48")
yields h=10 m=2
